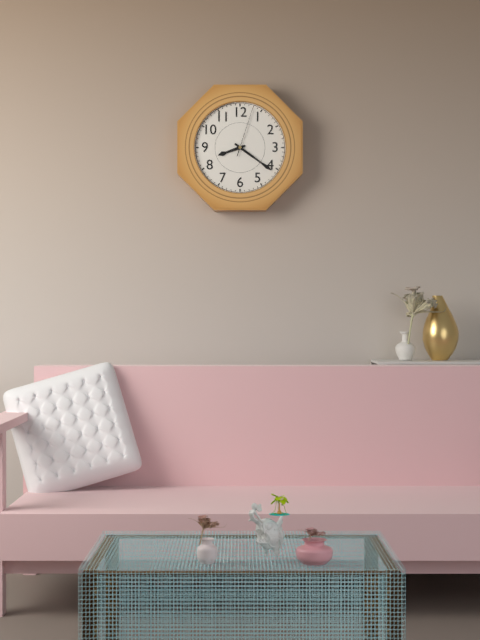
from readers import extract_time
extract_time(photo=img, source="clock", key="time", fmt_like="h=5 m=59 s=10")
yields h=8 m=21 s=3
